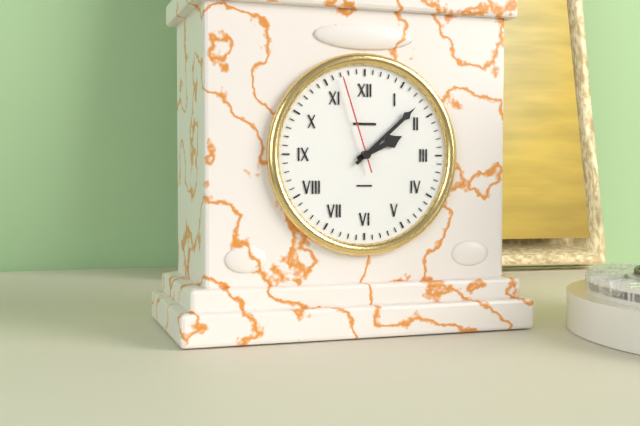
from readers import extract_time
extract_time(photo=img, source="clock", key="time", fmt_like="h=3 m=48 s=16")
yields h=2 m=8 s=57
